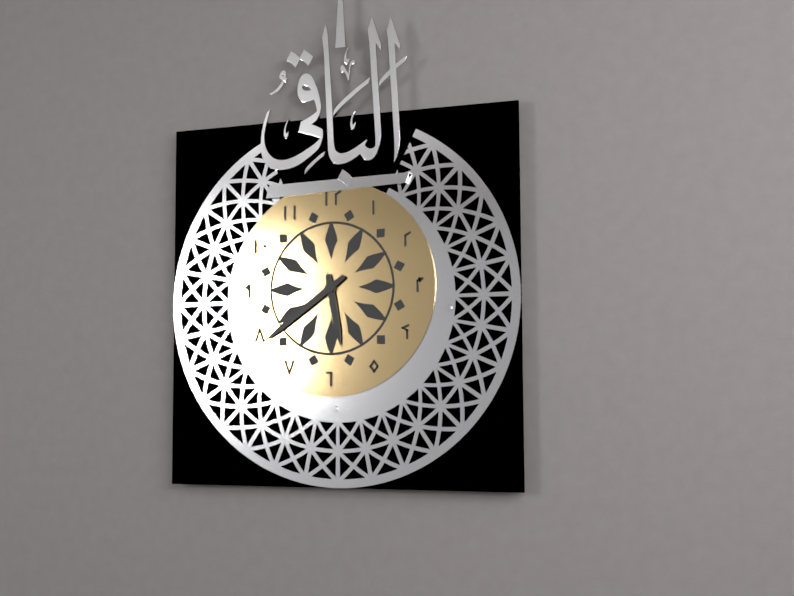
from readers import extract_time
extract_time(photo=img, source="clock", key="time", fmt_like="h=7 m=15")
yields h=5 m=39
